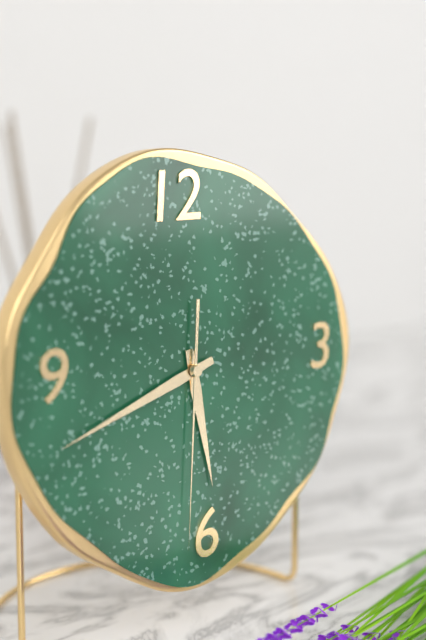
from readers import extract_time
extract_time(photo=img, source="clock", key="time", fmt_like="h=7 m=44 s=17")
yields h=5 m=42 s=31
